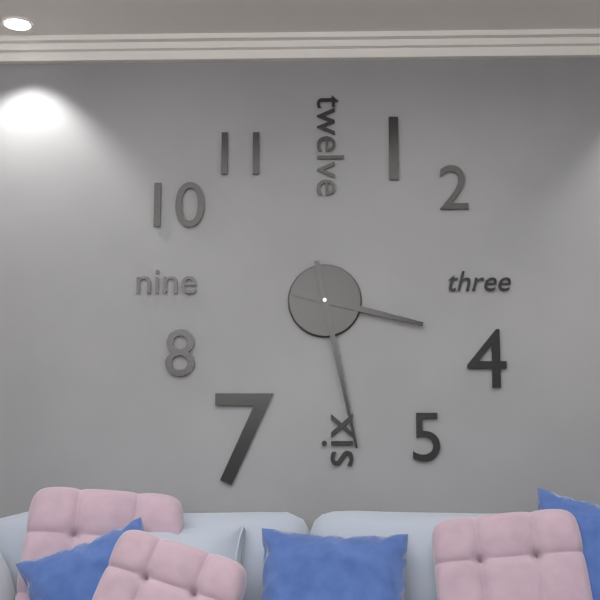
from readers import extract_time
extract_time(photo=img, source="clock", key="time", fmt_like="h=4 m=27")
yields h=3 m=28
